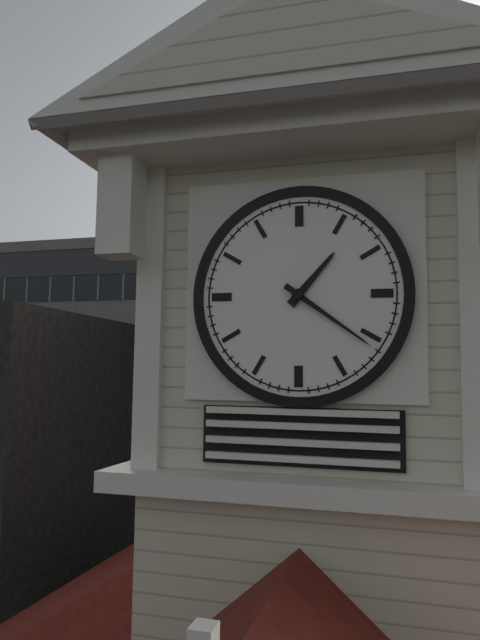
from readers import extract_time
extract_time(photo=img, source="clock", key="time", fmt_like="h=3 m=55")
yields h=1 m=21
